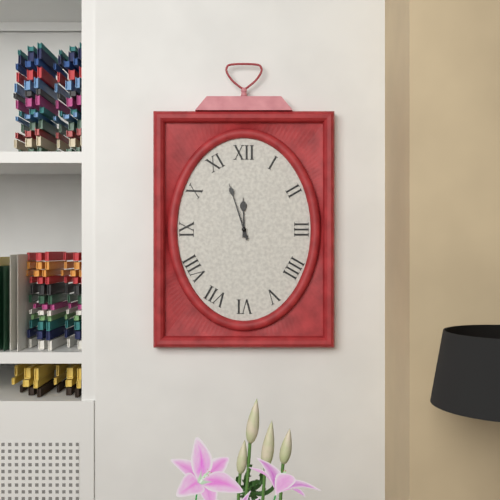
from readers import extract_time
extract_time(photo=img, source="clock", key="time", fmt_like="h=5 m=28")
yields h=11 m=57
